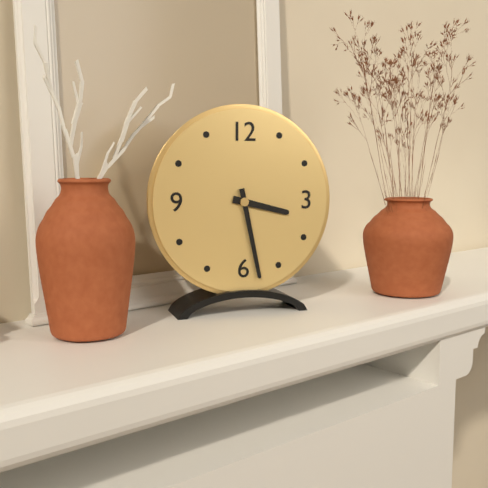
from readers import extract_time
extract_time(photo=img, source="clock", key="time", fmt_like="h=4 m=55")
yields h=3 m=28
